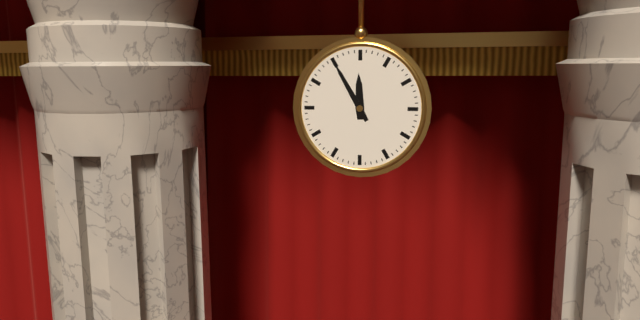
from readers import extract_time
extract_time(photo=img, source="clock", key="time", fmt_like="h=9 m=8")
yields h=11 m=55
